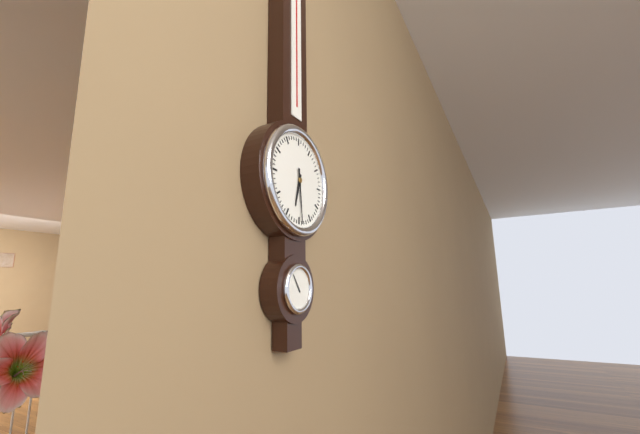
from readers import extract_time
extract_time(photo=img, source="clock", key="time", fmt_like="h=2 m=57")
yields h=6 m=29
